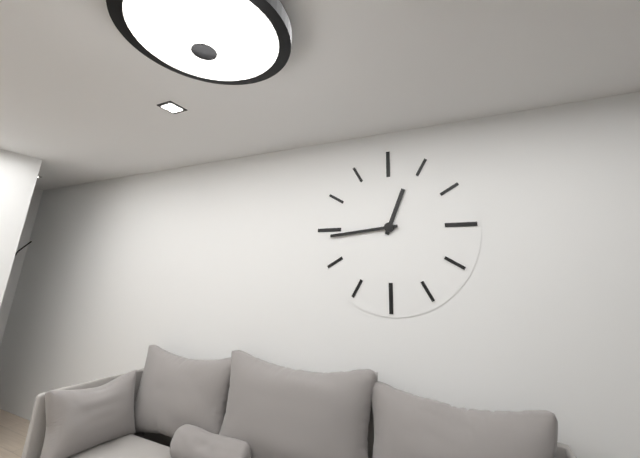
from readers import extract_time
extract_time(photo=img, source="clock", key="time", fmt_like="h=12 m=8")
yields h=12 m=44
